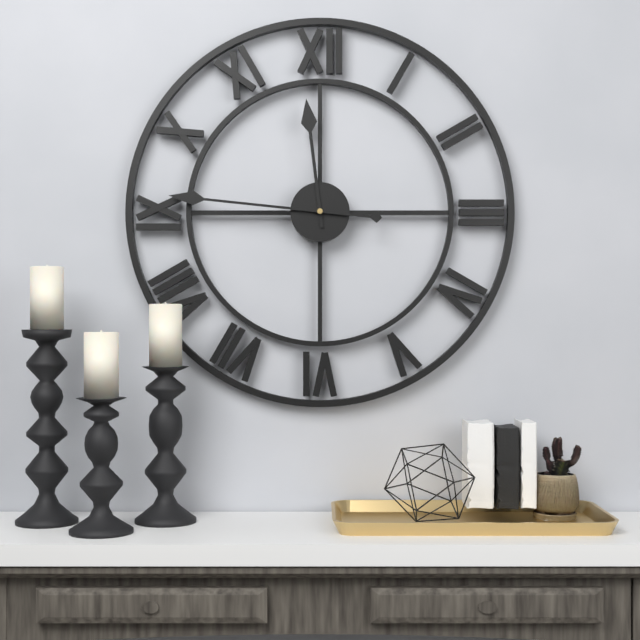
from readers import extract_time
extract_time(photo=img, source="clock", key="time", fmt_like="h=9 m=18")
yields h=11 m=46
